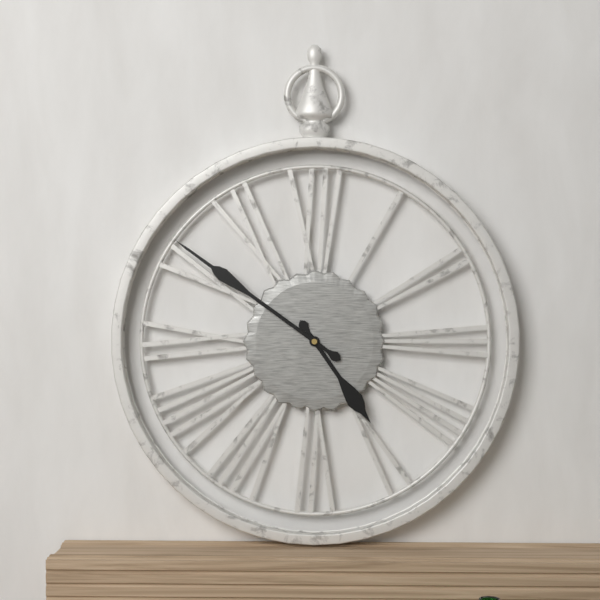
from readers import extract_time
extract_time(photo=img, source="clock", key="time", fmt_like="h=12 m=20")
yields h=4 m=51
